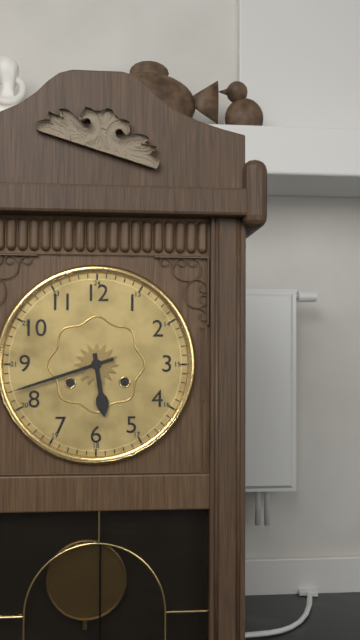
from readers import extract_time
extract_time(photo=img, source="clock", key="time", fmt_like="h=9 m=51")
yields h=5 m=42
